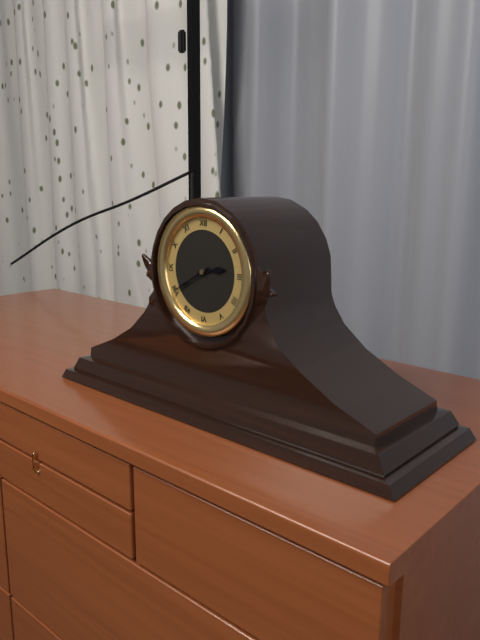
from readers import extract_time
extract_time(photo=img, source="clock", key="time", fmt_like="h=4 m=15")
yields h=2 m=40
